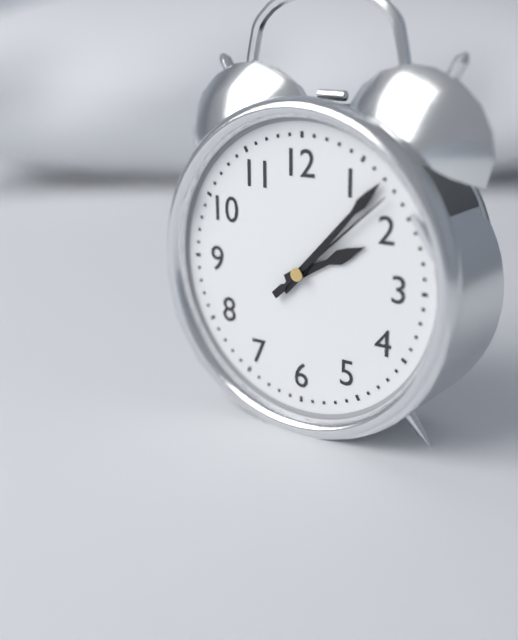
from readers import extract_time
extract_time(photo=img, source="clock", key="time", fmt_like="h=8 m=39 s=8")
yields h=2 m=7 s=8
